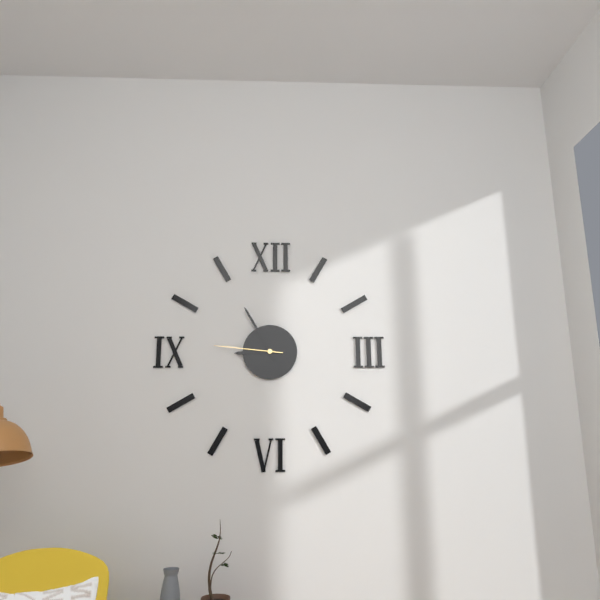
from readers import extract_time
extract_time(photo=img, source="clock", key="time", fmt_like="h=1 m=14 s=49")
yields h=8 m=55 s=46
